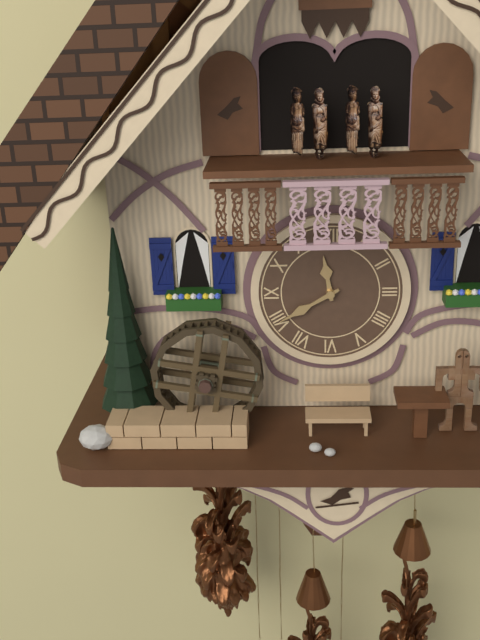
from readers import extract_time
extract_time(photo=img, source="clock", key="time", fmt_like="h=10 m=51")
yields h=11 m=40
